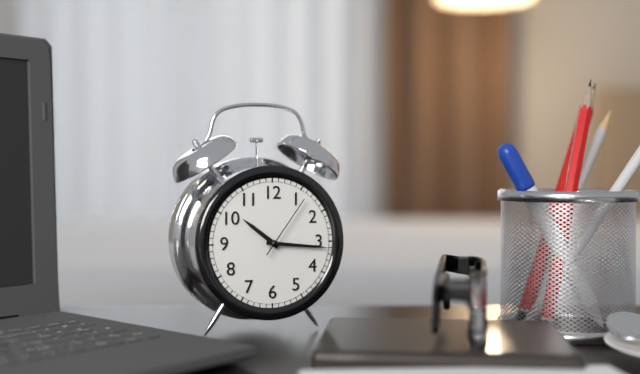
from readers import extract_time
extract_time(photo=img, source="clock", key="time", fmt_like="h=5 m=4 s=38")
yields h=10 m=16 s=6
